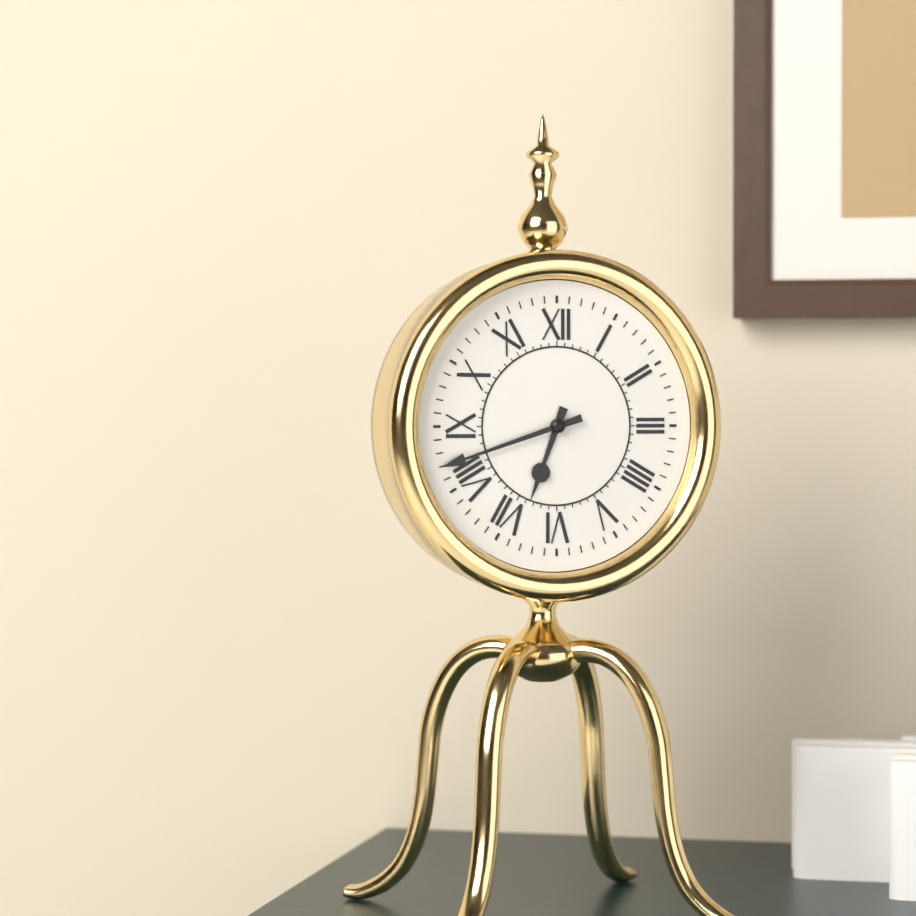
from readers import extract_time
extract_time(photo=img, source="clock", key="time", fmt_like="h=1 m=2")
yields h=6 m=42
